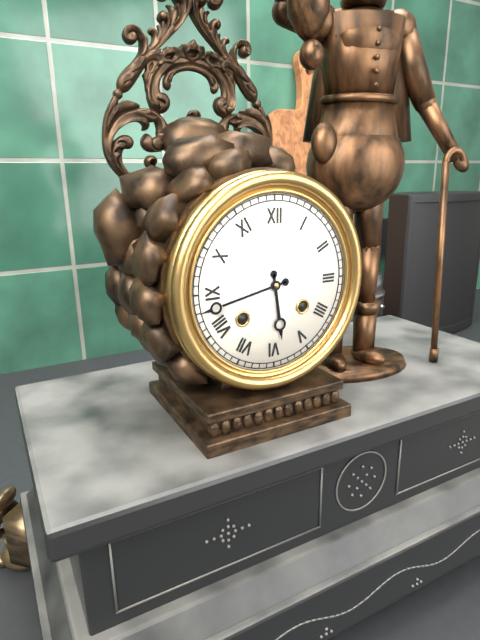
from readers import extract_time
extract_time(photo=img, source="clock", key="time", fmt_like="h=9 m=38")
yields h=5 m=43
